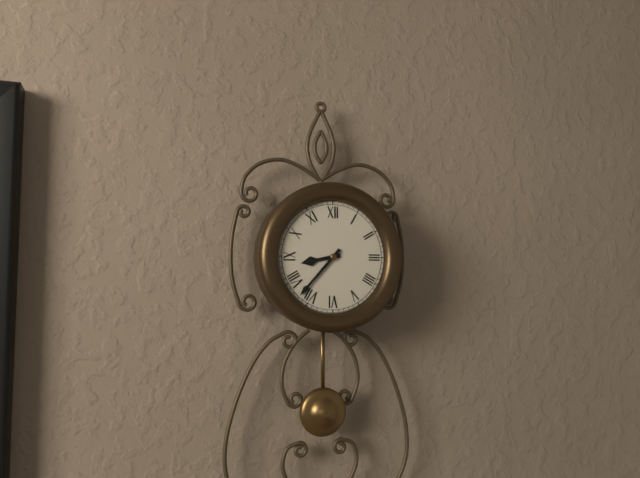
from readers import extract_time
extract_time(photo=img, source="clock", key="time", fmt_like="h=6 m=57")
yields h=8 m=37
